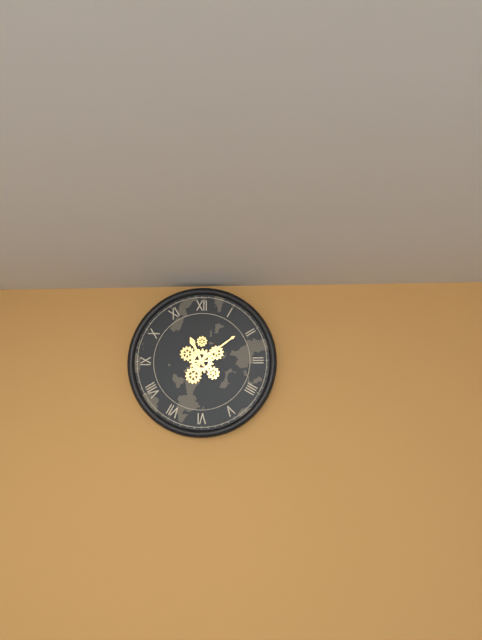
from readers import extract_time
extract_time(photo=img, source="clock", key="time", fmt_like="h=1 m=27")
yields h=11 m=9
